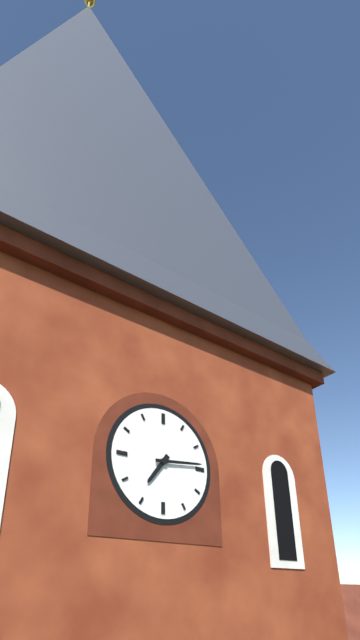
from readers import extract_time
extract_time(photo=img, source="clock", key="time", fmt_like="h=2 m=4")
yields h=7 m=14
